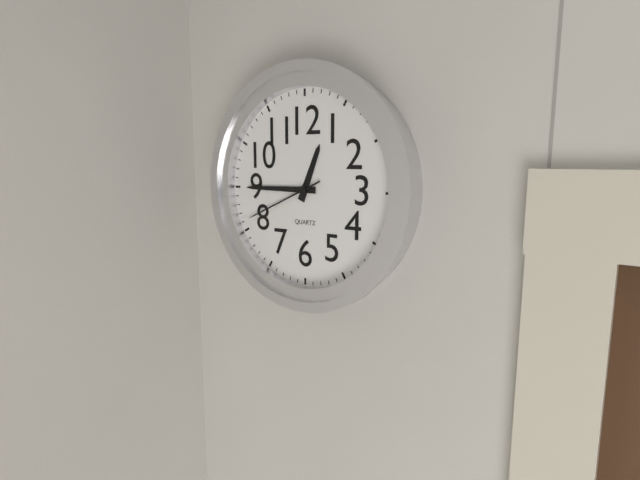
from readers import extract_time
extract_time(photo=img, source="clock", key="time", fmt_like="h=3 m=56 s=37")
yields h=12 m=45 s=41
